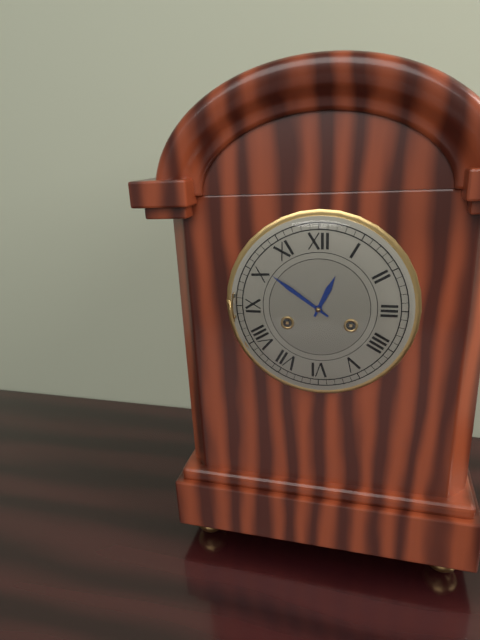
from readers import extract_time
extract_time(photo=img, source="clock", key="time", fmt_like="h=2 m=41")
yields h=12 m=51
